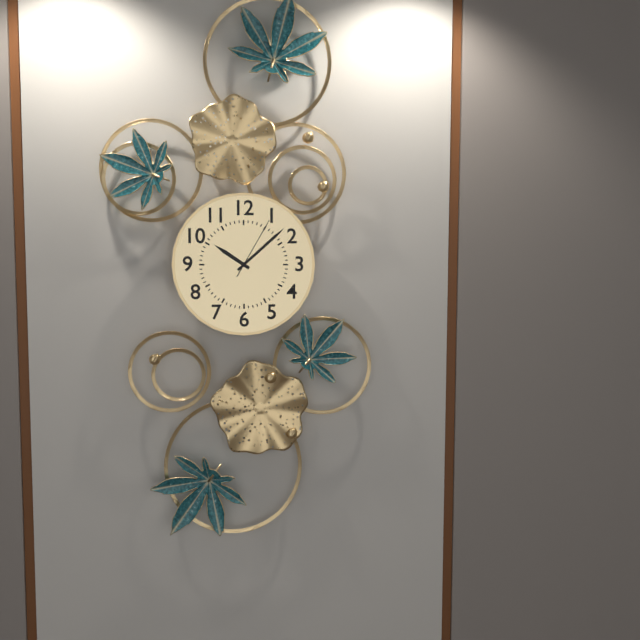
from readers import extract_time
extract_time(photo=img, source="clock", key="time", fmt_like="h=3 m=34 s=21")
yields h=10 m=8 s=5
